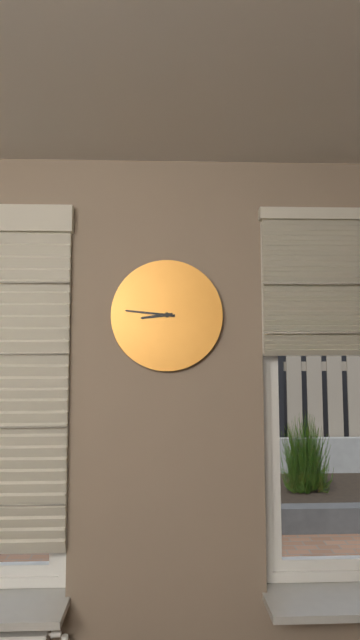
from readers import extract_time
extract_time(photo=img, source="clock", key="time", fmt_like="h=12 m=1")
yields h=8 m=46
